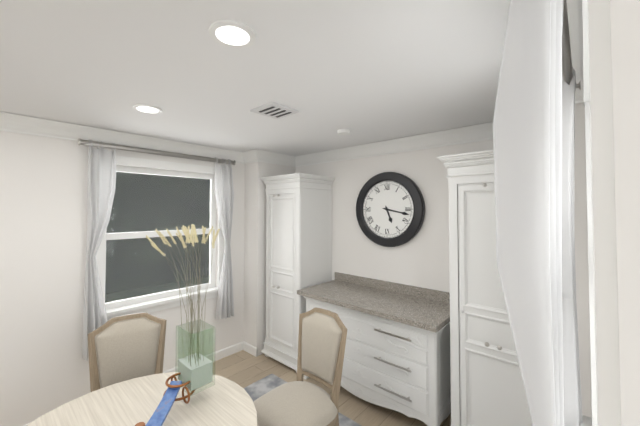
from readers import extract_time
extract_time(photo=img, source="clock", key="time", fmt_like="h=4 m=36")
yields h=5 m=17
